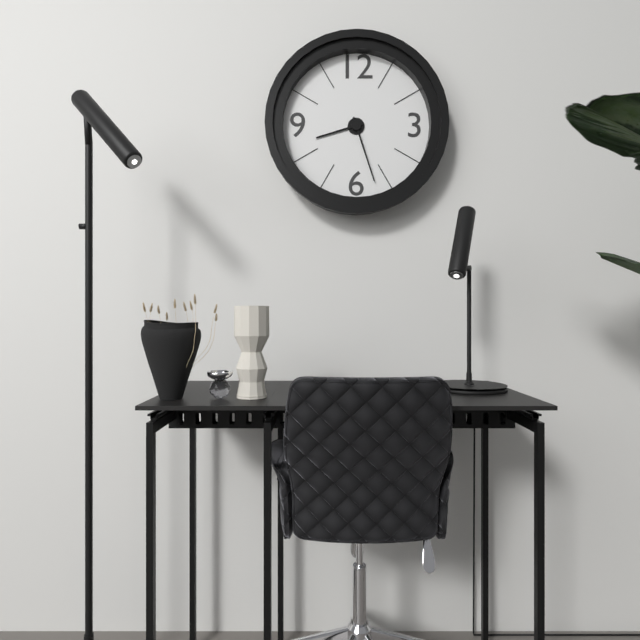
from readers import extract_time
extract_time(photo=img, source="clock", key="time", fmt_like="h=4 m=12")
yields h=8 m=27
